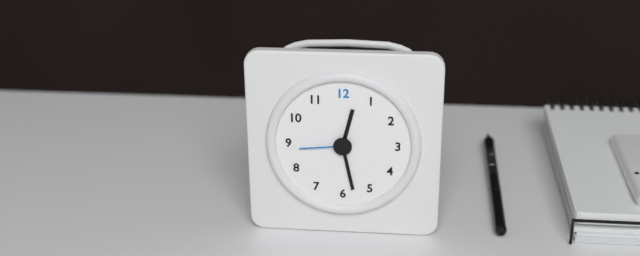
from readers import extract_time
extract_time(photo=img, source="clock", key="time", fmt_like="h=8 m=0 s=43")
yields h=12 m=28 s=44
